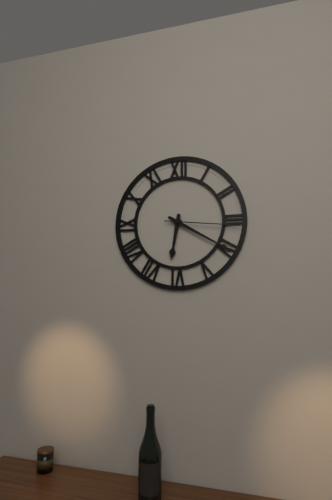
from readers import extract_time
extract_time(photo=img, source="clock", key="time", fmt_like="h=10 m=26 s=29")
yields h=6 m=20 s=16
